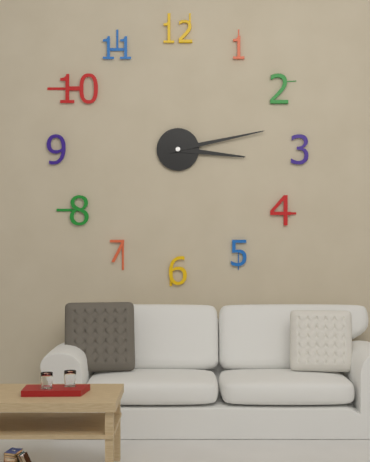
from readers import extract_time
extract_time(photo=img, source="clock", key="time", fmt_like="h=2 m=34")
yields h=3 m=13
